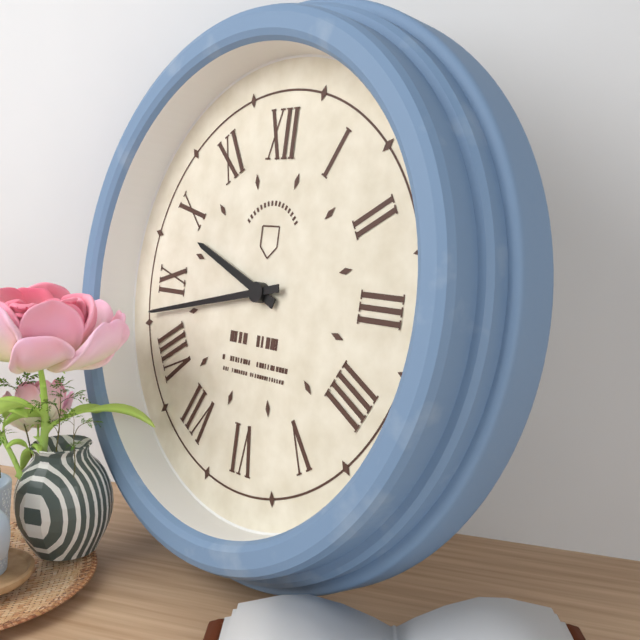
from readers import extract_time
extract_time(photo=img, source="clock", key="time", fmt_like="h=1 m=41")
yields h=9 m=43
